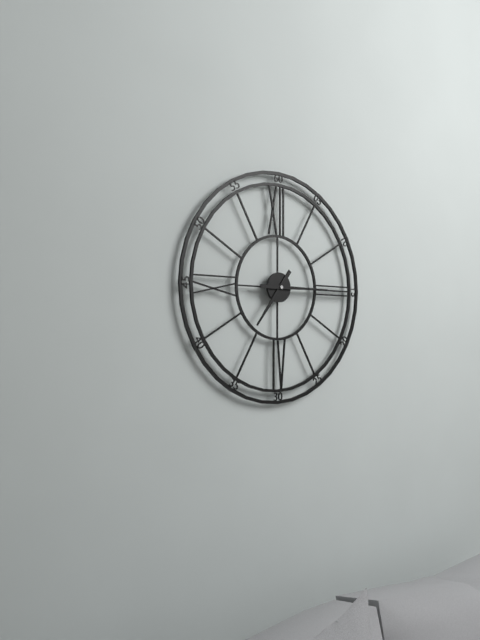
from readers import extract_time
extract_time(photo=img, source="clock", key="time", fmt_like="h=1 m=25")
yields h=7 m=15
